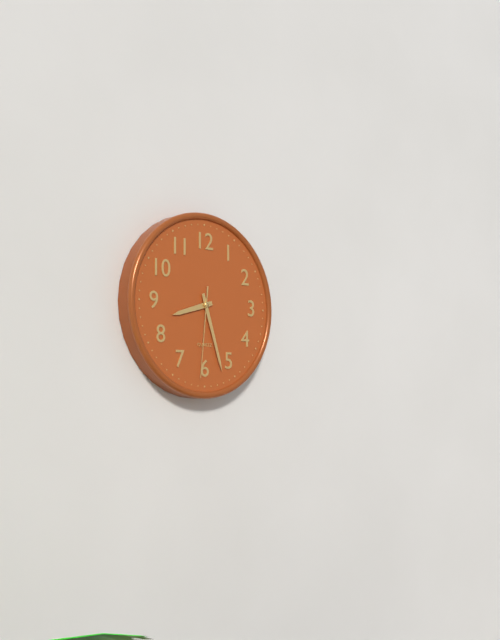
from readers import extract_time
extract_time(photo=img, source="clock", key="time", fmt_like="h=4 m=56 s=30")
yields h=8 m=27 s=31
